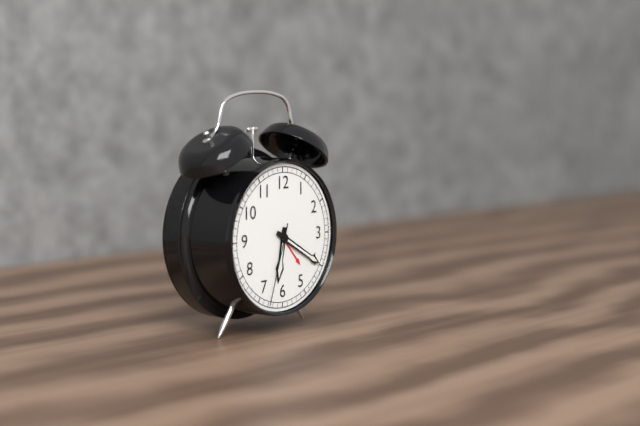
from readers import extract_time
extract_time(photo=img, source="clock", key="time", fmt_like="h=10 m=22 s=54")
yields h=6 m=20 s=33
